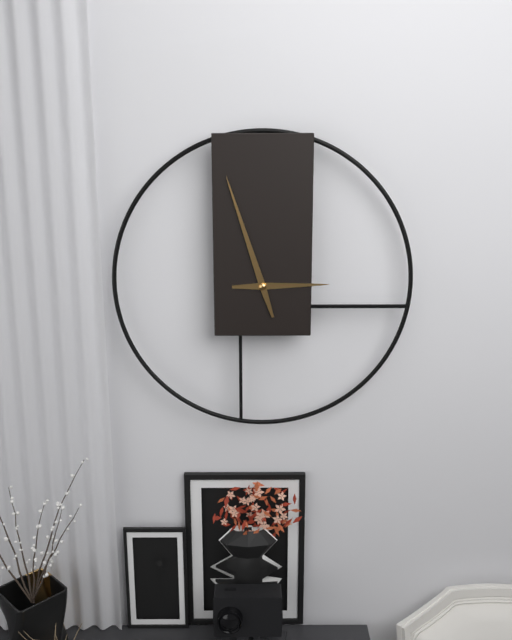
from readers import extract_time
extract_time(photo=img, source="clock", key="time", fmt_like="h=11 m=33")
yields h=2 m=57
